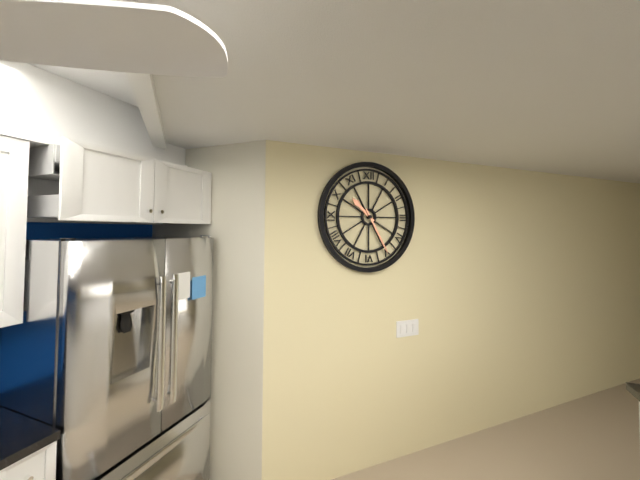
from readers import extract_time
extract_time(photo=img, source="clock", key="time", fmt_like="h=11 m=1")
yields h=10 m=25
